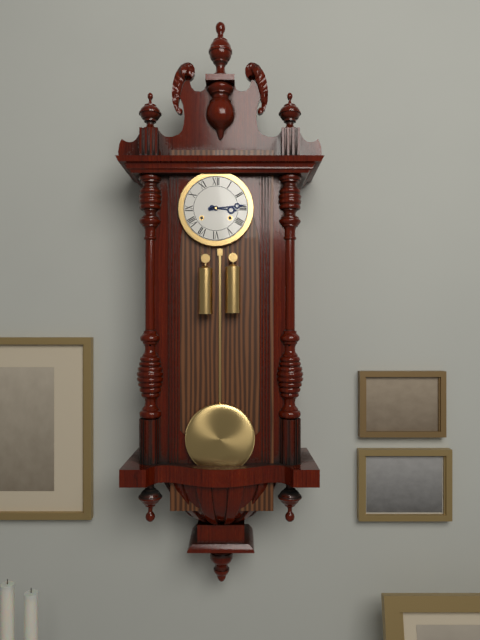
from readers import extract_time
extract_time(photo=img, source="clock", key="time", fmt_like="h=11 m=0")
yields h=3 m=14
